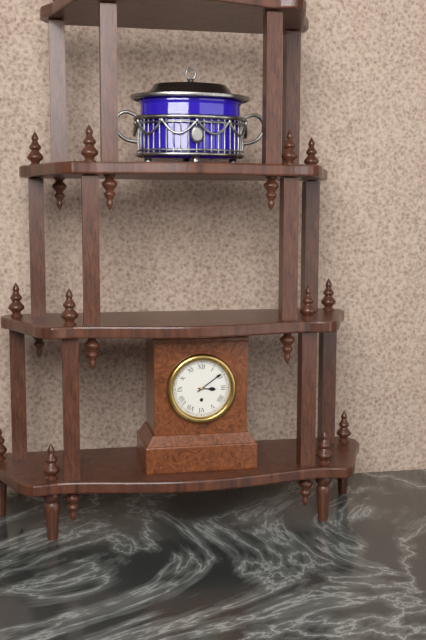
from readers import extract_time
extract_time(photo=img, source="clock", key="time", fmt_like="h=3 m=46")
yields h=3 m=9
